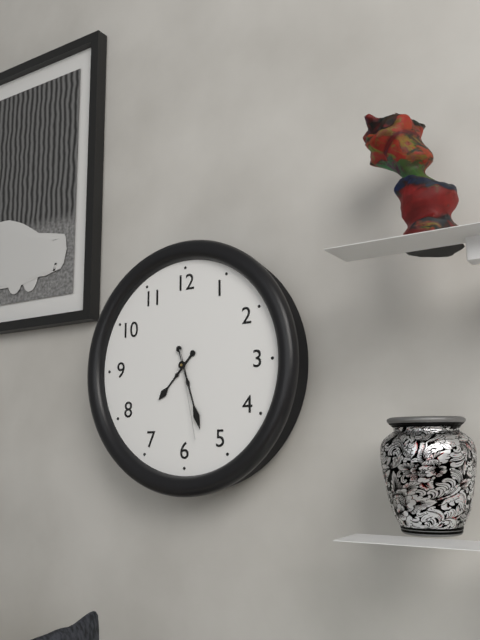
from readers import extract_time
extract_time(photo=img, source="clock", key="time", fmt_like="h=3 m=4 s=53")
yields h=7 m=27 s=28
